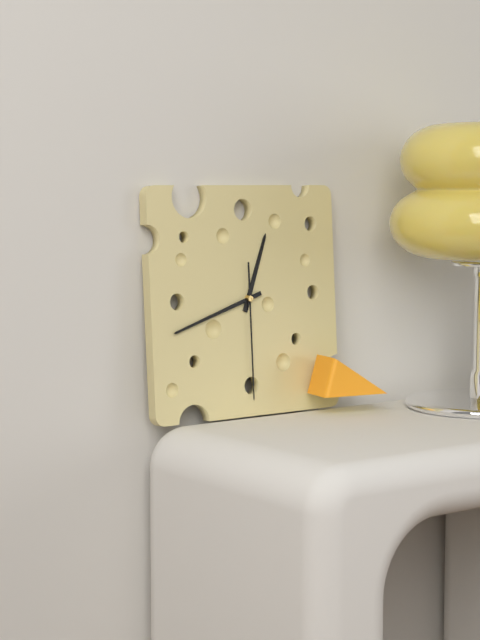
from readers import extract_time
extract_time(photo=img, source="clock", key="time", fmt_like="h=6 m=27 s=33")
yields h=12 m=42 s=30
